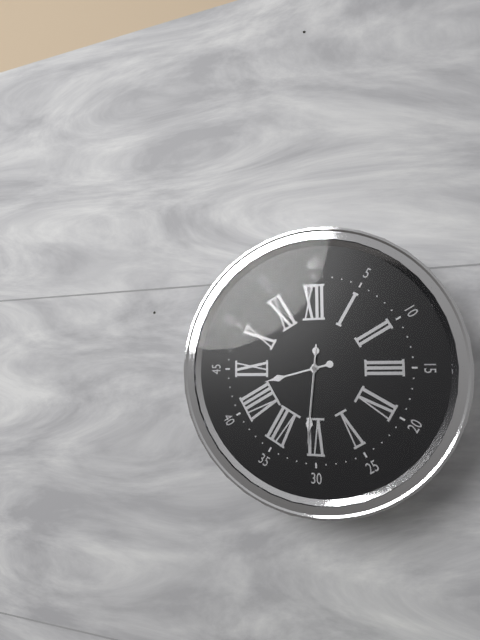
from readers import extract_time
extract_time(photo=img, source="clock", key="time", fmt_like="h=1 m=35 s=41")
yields h=8 m=31 s=31
